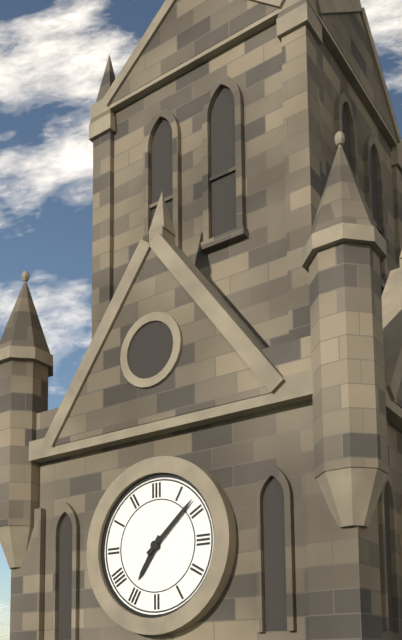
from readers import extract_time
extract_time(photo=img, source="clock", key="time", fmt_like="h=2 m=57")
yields h=7 m=8
